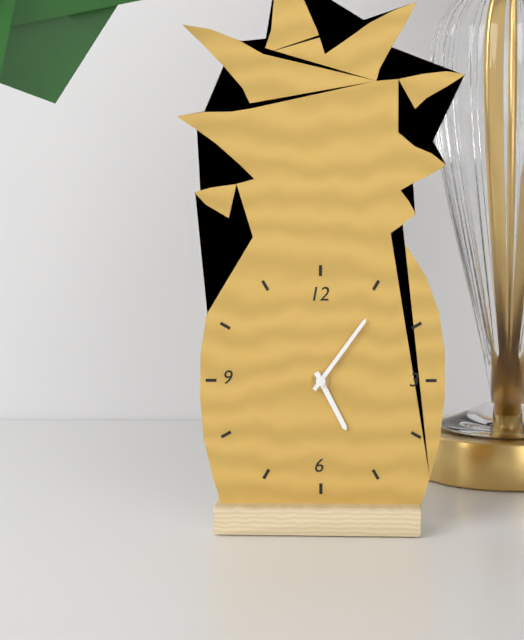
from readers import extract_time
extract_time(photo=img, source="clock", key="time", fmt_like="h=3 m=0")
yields h=5 m=6
